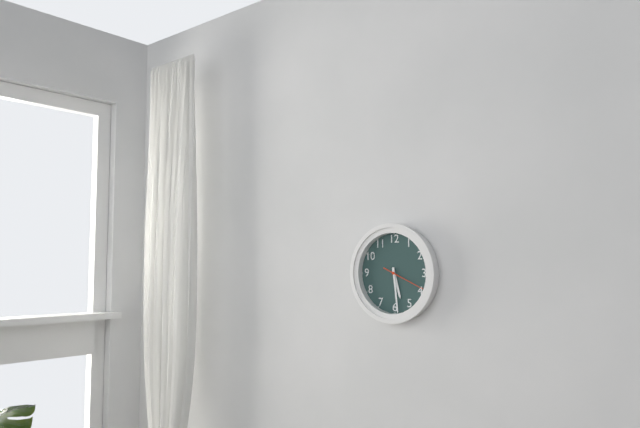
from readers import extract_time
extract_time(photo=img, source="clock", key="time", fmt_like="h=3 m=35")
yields h=5 m=29
